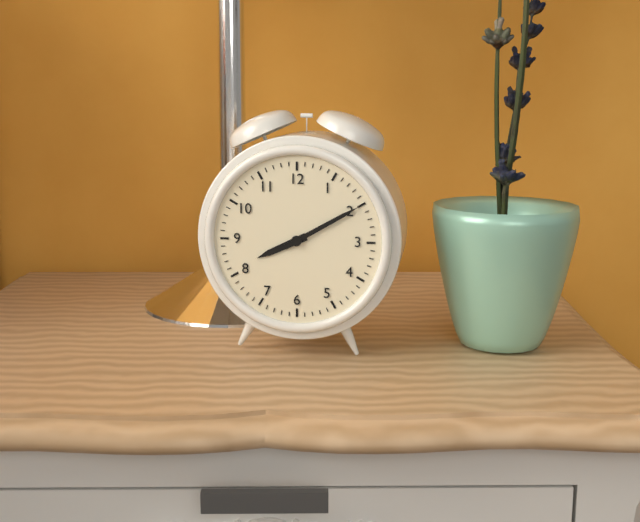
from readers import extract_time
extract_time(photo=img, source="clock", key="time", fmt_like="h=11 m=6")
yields h=8 m=10
